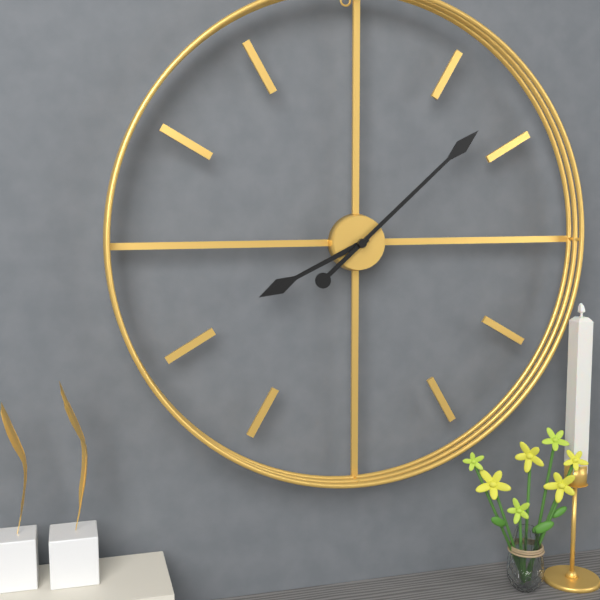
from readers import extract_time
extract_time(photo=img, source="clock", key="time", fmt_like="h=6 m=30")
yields h=8 m=8
